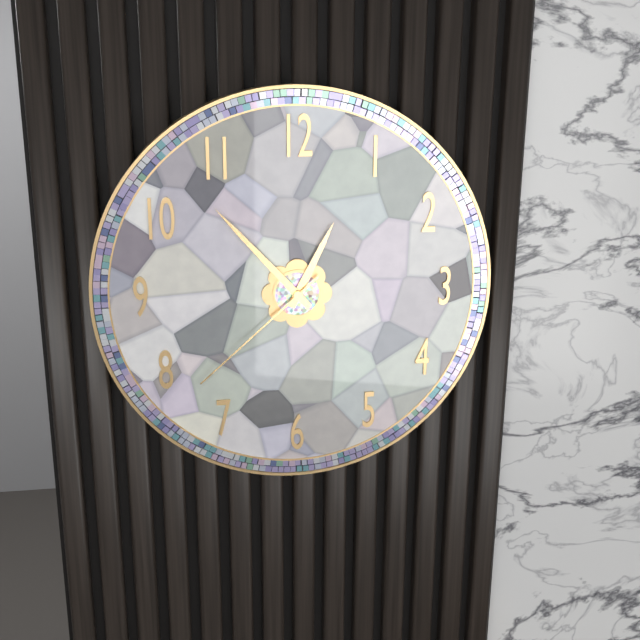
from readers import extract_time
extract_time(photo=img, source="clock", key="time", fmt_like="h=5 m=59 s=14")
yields h=12 m=53 s=38
